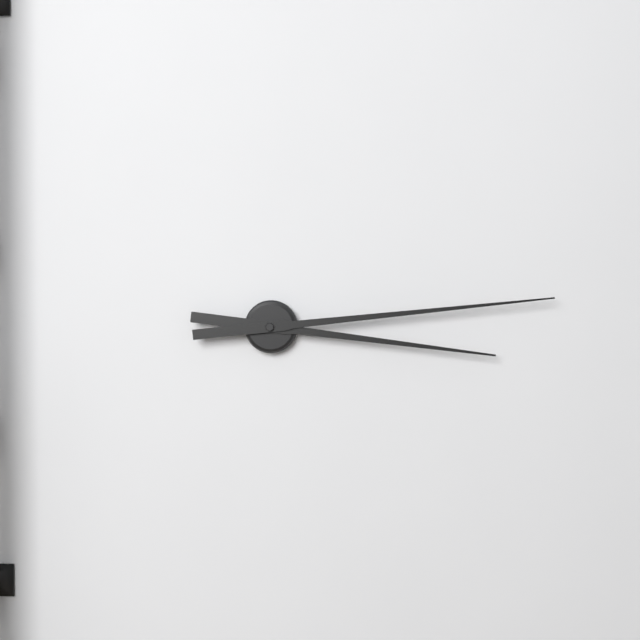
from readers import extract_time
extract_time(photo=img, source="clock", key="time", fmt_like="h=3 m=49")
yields h=3 m=14
